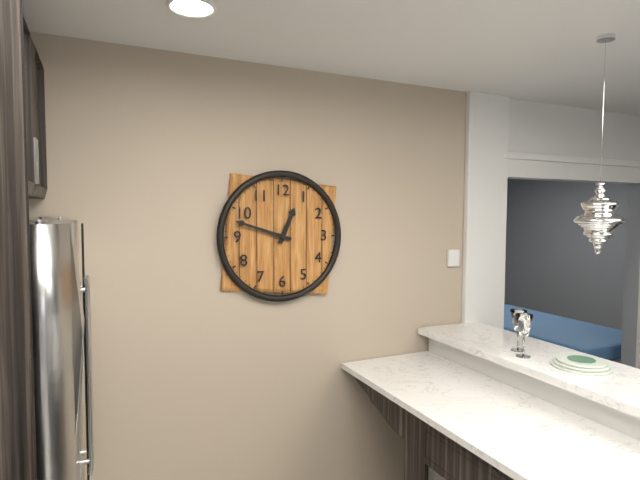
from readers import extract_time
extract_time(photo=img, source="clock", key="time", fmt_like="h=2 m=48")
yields h=12 m=48
